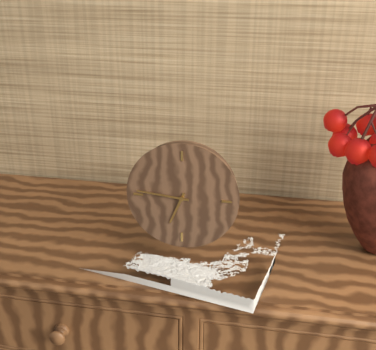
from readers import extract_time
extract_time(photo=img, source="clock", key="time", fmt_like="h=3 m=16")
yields h=6 m=46
